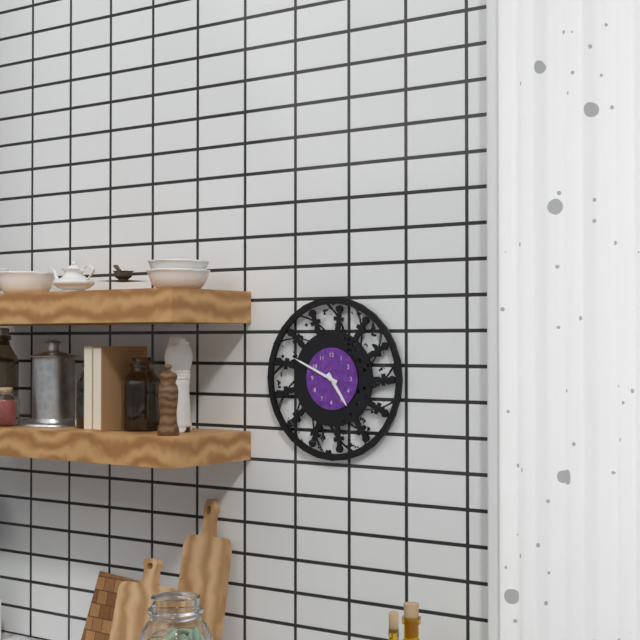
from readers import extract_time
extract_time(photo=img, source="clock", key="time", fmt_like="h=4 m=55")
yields h=4 m=49
